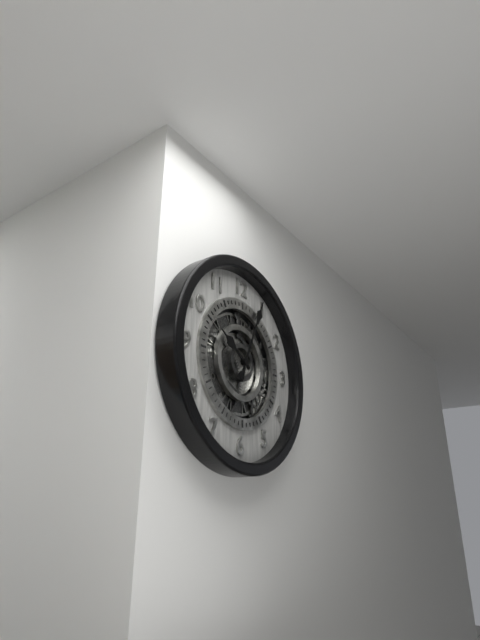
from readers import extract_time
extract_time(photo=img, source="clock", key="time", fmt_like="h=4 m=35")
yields h=10 m=4
